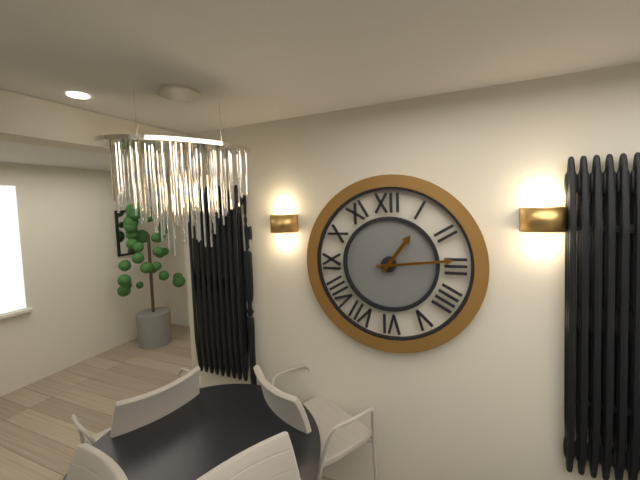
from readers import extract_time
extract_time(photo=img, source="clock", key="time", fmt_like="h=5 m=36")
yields h=1 m=14
